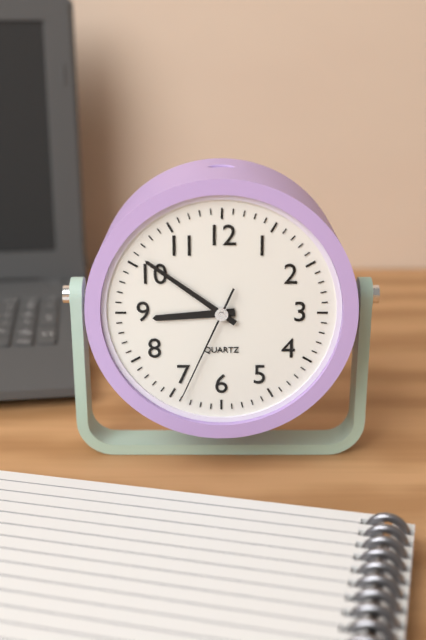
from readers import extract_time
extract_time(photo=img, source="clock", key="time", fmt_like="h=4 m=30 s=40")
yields h=8 m=51 s=34
